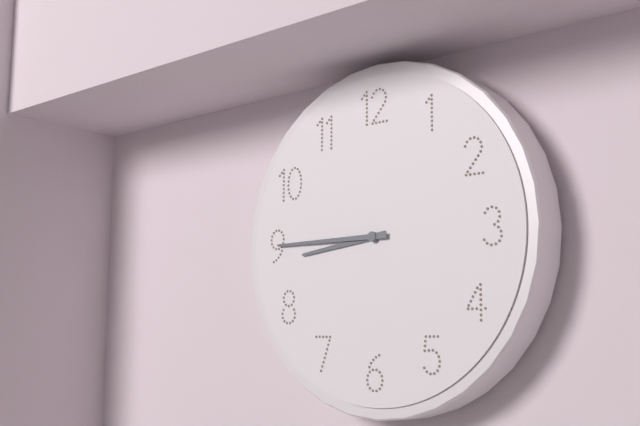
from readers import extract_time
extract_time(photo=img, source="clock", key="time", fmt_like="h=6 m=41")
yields h=8 m=45
